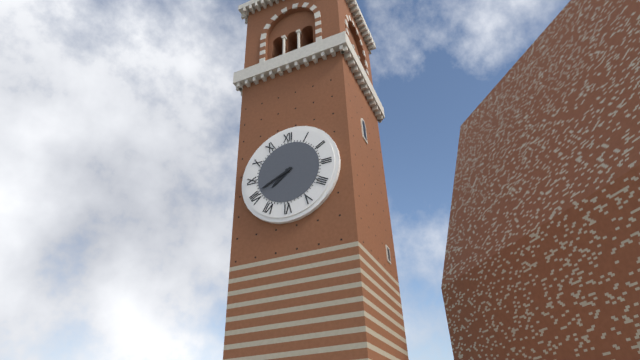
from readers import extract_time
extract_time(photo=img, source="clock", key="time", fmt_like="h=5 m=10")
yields h=7 m=41
